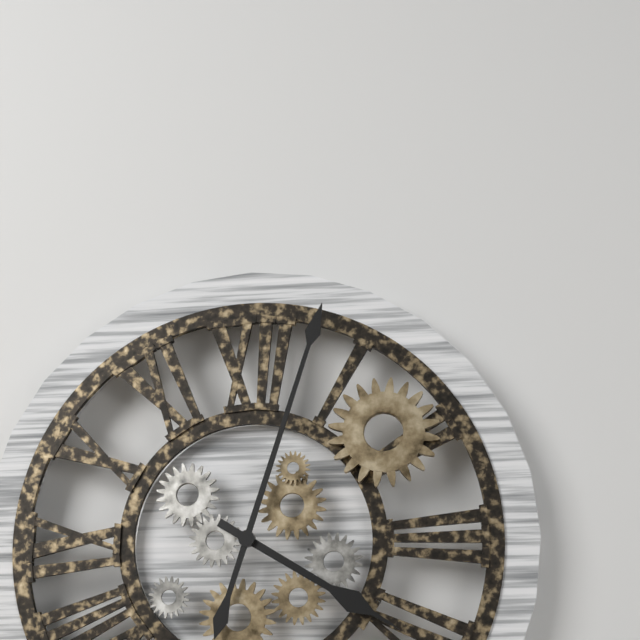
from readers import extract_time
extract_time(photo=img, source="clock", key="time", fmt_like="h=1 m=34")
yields h=4 m=3
